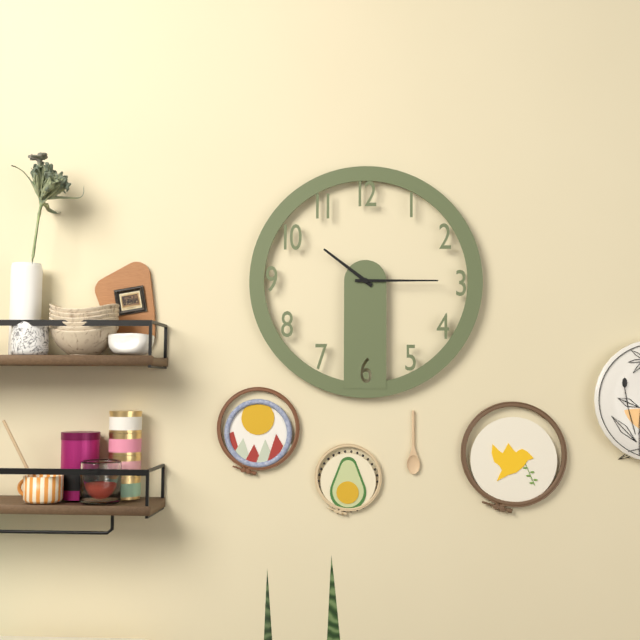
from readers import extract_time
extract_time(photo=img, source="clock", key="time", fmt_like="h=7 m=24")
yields h=10 m=15
